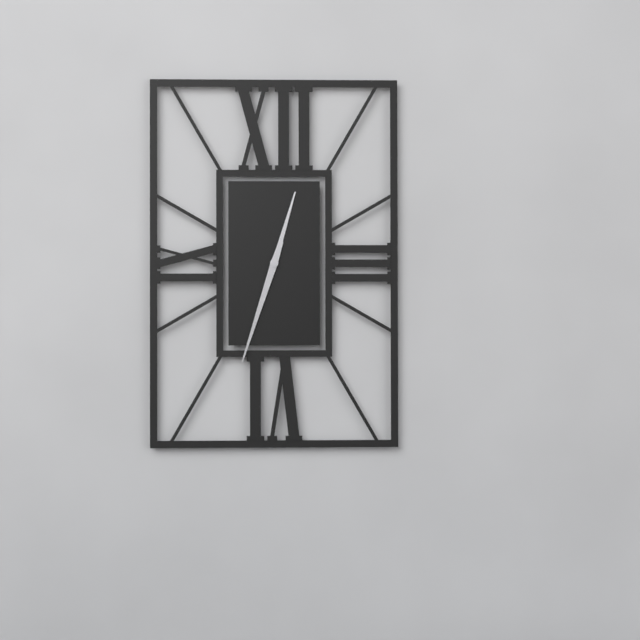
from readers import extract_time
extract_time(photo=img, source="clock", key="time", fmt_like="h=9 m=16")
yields h=12 m=33
